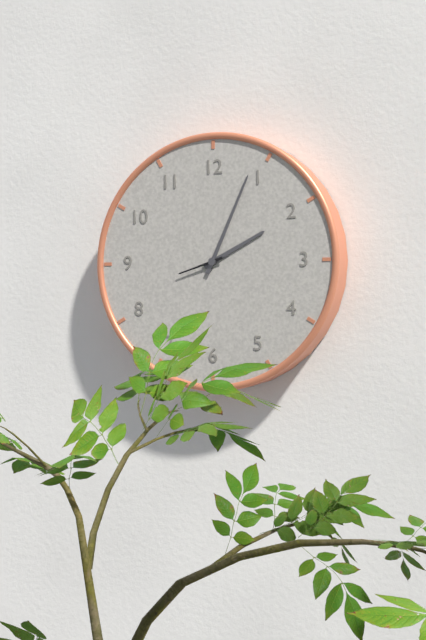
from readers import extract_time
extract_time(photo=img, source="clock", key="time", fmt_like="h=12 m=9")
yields h=2 m=4
